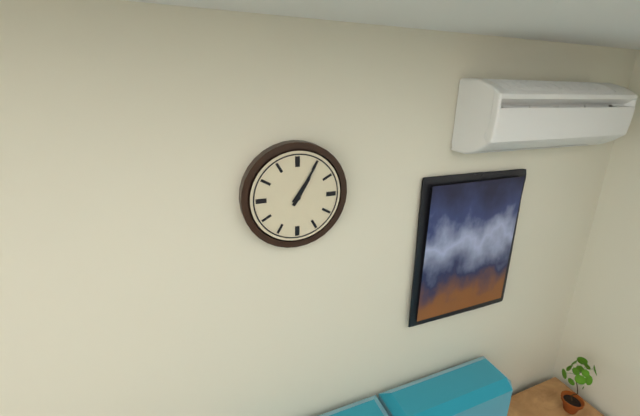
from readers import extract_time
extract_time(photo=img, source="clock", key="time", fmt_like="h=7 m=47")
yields h=1 m=5
